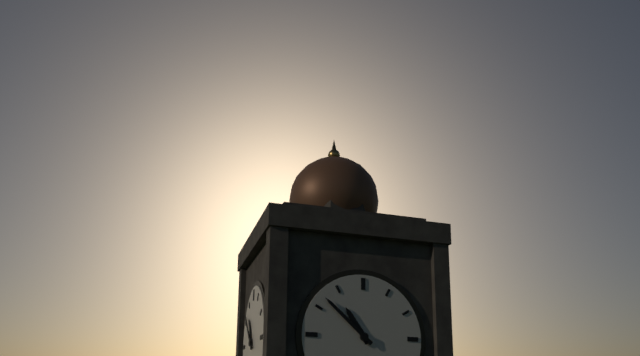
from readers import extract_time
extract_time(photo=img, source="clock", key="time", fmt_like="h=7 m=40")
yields h=10 m=52
